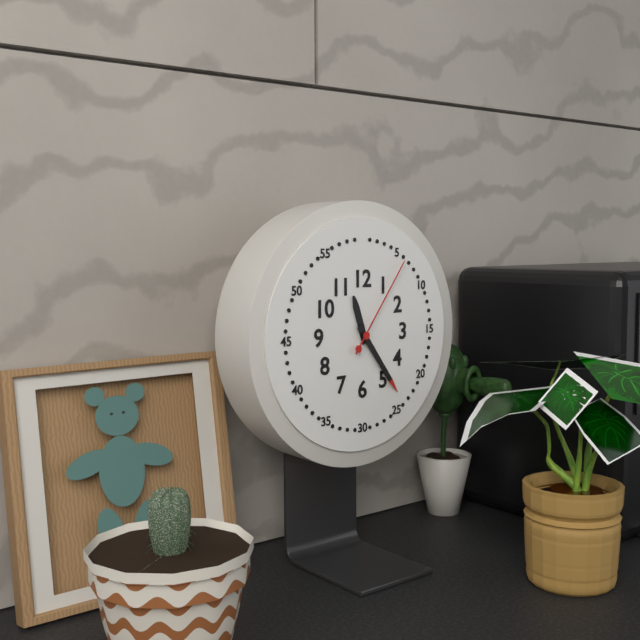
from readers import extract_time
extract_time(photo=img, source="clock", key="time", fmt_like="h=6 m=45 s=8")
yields h=11 m=24 s=6
